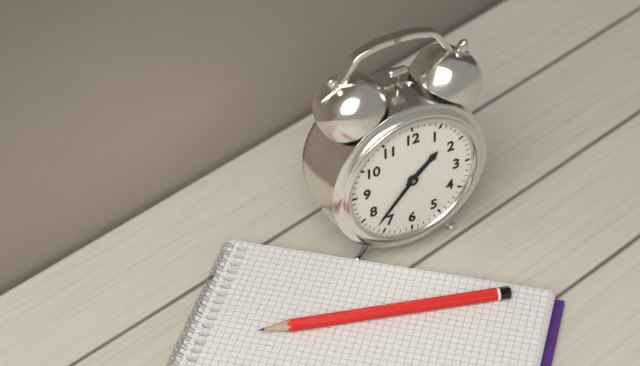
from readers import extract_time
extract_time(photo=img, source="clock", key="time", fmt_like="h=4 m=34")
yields h=1 m=37
